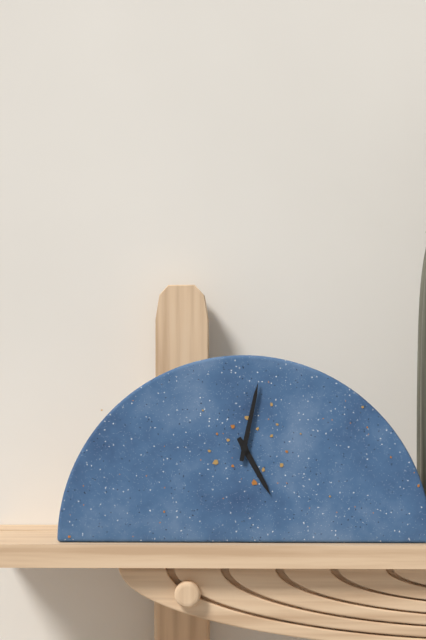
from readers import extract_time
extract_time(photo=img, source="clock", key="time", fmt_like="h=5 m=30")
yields h=5 m=2
